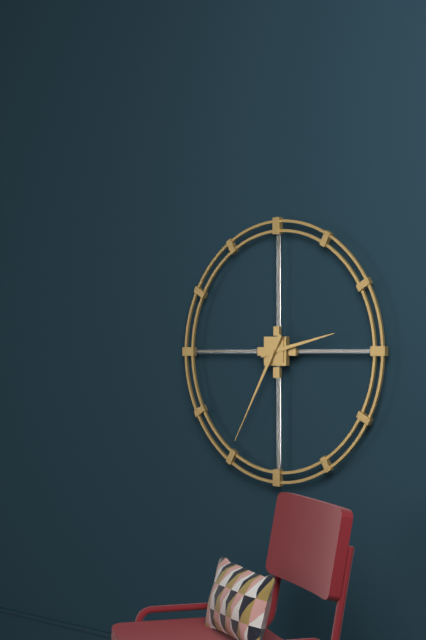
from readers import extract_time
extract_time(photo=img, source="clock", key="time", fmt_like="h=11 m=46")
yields h=2 m=35
